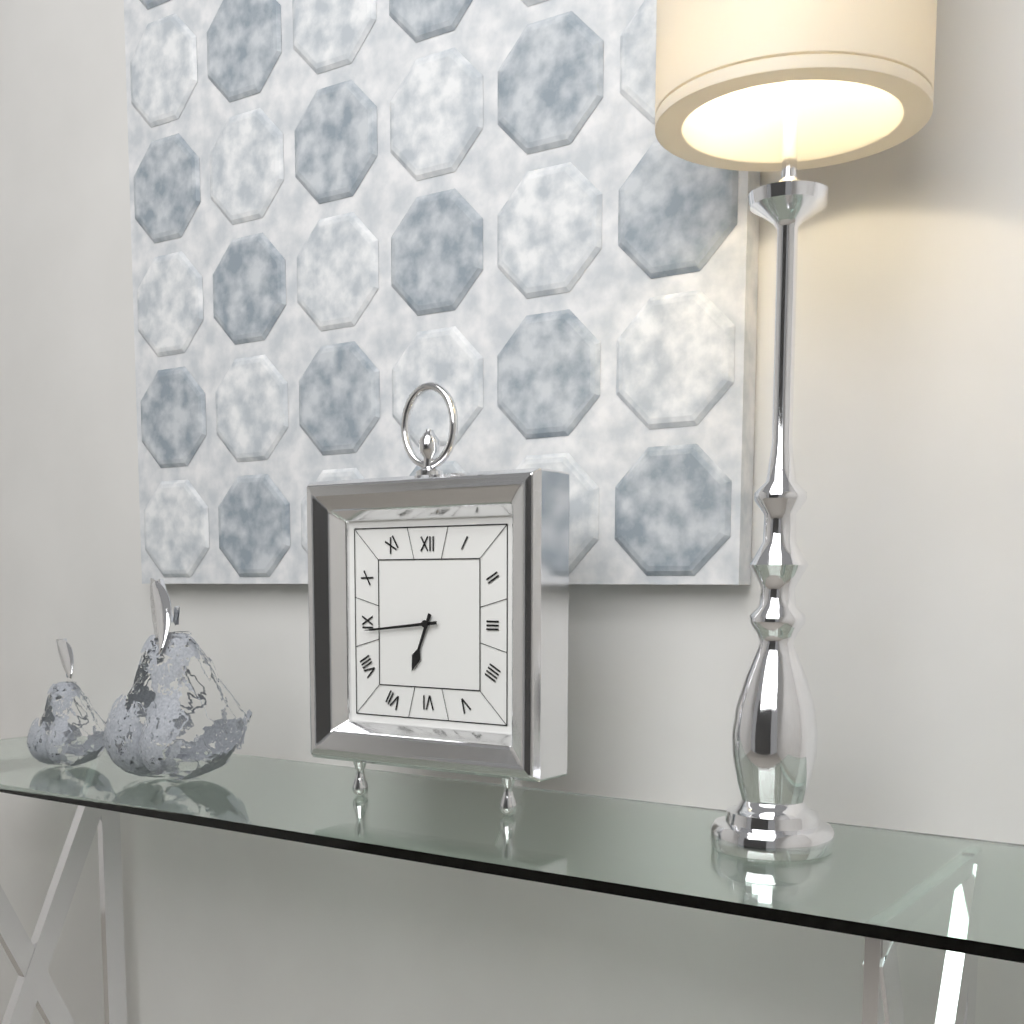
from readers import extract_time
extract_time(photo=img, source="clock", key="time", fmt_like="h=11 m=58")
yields h=6 m=44
